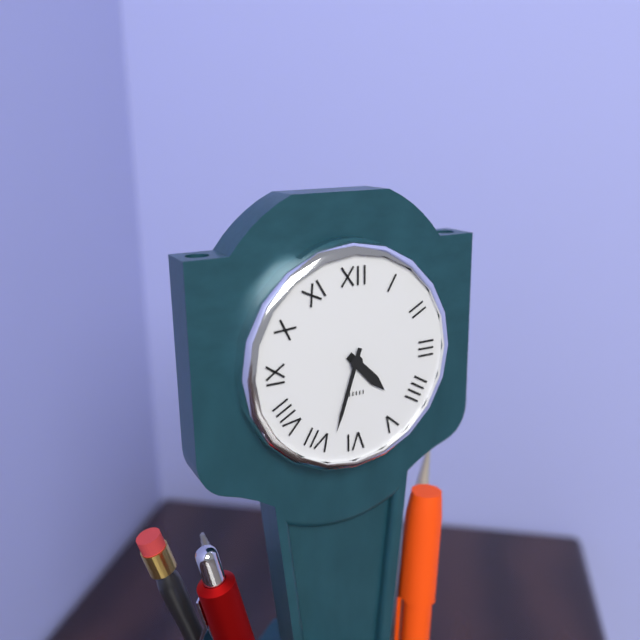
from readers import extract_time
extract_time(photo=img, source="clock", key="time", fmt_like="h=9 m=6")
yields h=4 m=33
